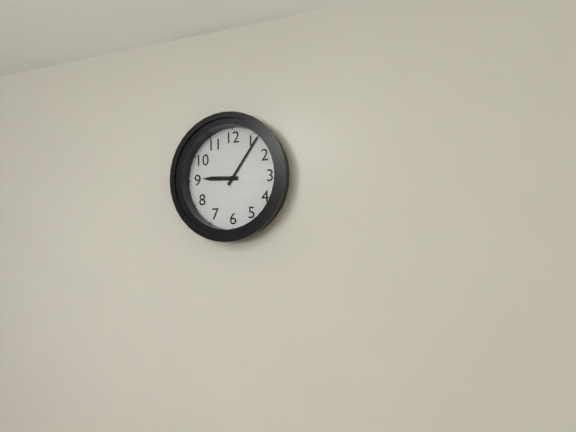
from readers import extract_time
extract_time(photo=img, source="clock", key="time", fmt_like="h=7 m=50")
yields h=9 m=6
